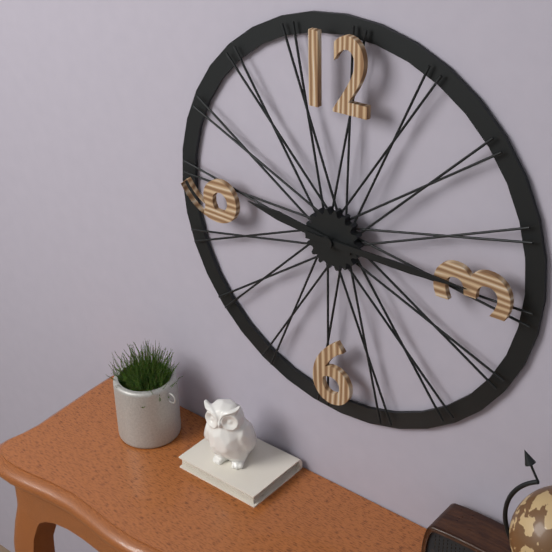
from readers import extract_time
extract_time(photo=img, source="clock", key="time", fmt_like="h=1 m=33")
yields h=9 m=15
